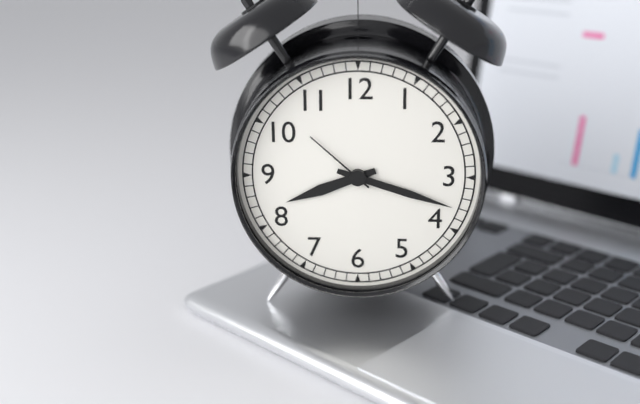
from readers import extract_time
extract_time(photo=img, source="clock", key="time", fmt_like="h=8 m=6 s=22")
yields h=8 m=18 s=52
